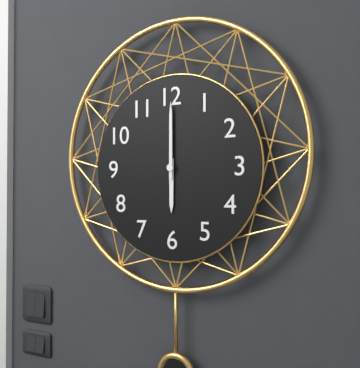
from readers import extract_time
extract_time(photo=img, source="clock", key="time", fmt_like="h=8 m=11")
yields h=6 m=0
